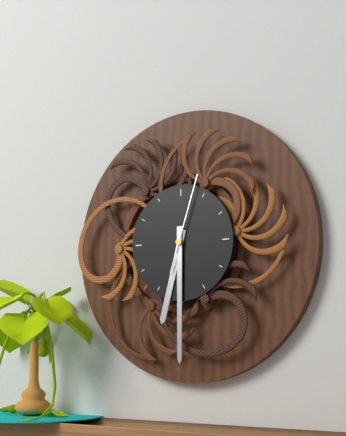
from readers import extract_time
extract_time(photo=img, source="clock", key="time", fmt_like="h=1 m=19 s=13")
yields h=6 m=30 s=3
